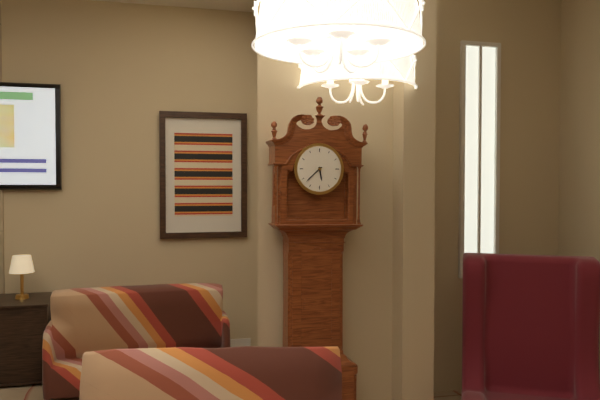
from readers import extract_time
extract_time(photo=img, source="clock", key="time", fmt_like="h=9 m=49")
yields h=5 m=38
